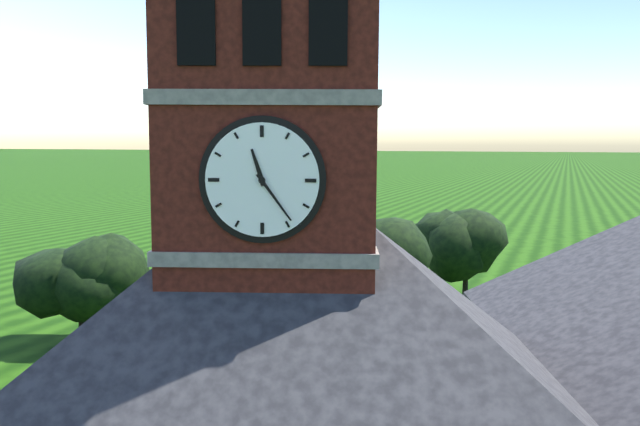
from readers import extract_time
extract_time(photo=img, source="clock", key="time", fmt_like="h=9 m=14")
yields h=11 m=24
